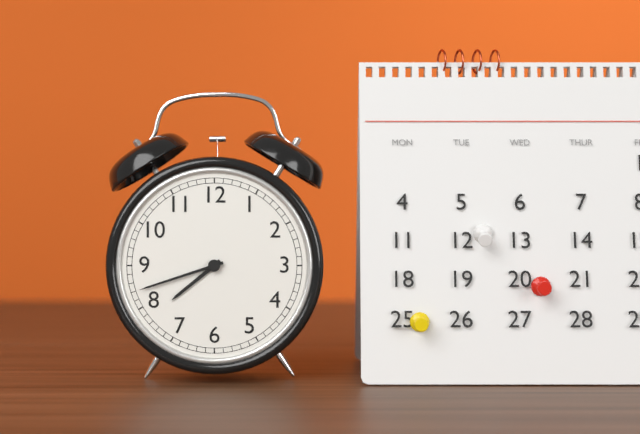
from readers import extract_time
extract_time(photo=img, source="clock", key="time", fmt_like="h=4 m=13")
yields h=7 m=42
